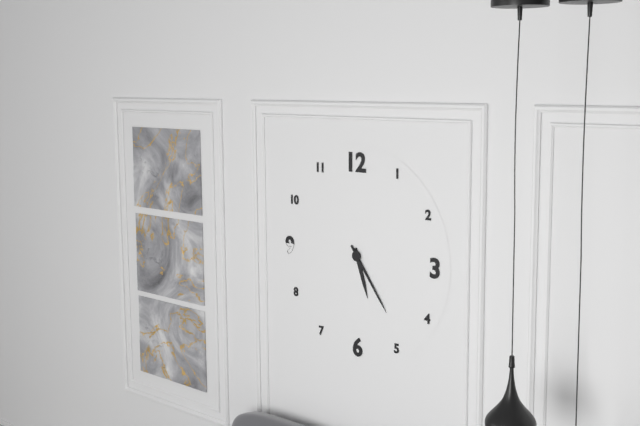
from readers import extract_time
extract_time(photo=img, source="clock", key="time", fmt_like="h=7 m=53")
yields h=5 m=24
